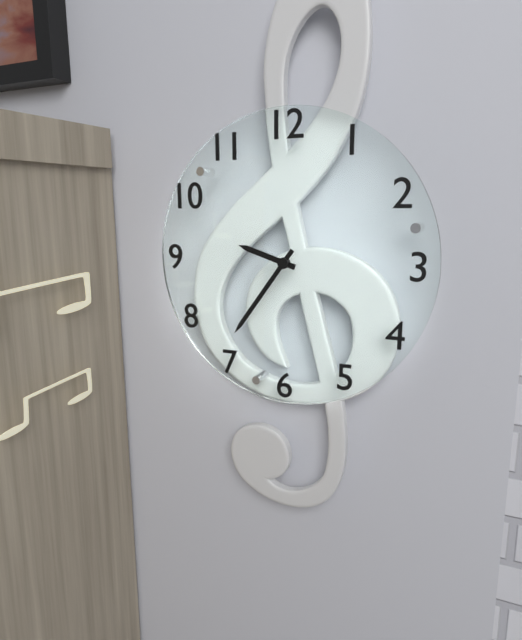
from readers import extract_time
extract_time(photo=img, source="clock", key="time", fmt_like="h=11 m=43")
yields h=9 m=36
